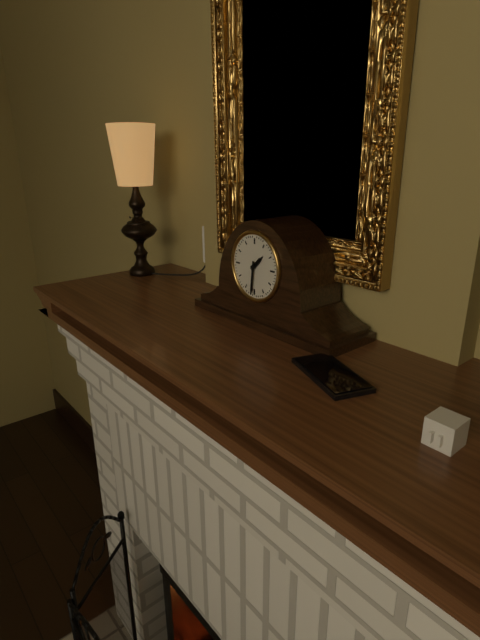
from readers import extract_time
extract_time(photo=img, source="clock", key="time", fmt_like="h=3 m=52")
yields h=1 m=31
